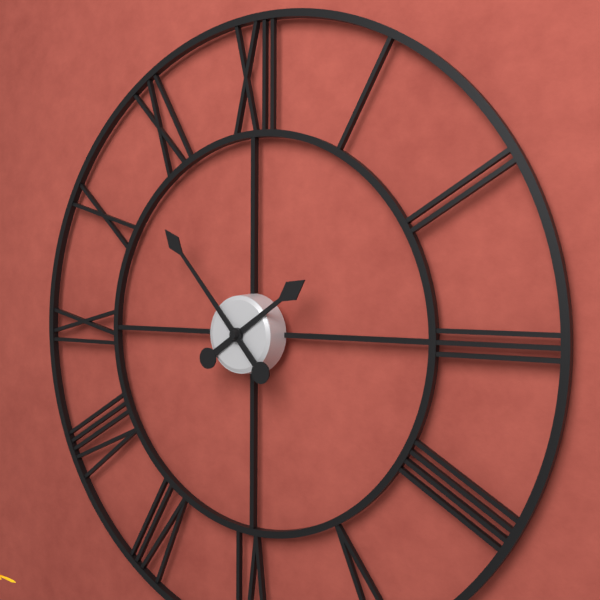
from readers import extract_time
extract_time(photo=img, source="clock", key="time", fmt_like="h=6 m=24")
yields h=1 m=53
